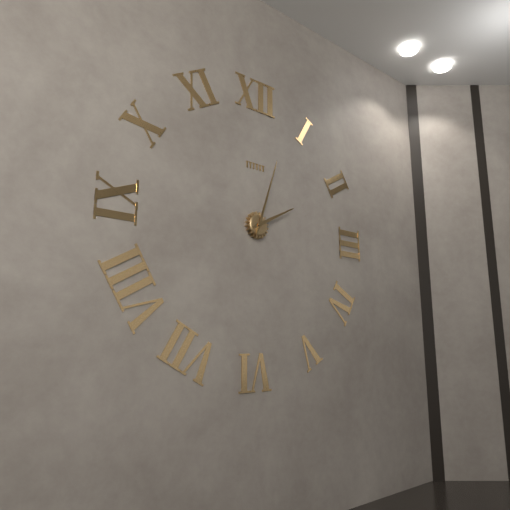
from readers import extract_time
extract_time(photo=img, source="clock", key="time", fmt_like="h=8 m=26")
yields h=2 m=3
